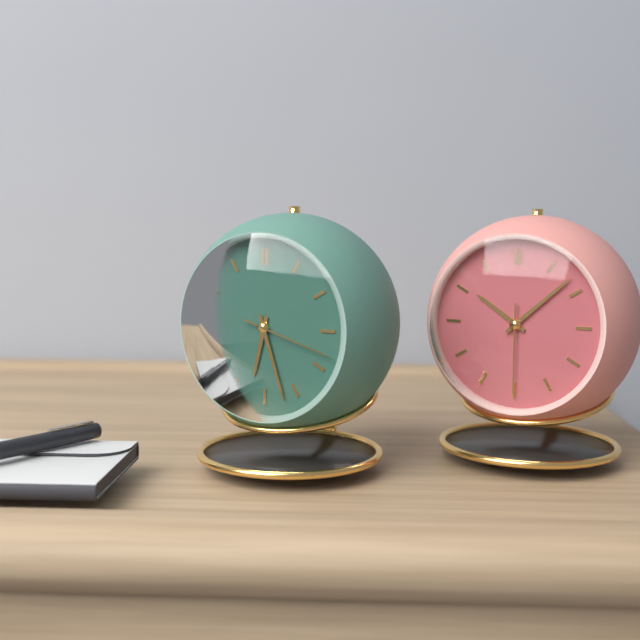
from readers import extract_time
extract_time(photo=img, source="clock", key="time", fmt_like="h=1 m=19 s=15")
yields h=6 m=27 s=18
